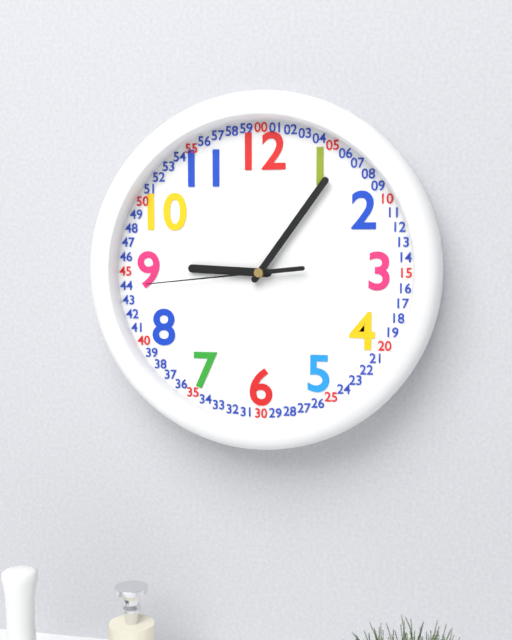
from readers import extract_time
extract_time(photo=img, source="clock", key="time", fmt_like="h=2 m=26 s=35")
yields h=9 m=6 s=44
